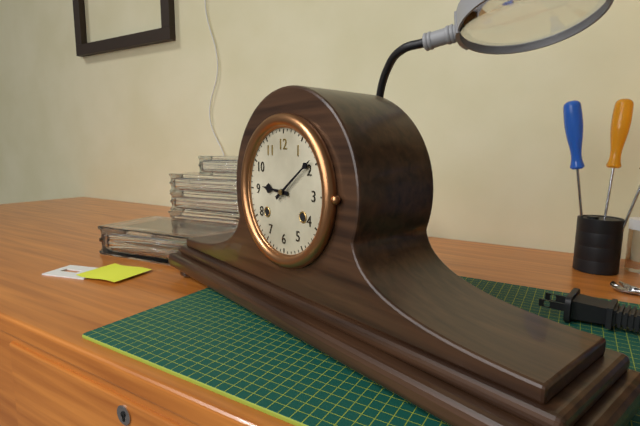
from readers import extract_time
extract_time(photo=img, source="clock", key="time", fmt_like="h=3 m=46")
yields h=9 m=9
